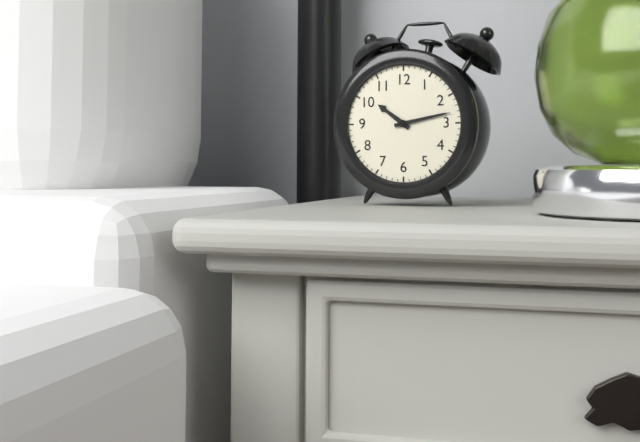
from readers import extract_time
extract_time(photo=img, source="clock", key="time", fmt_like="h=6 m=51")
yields h=10 m=13
